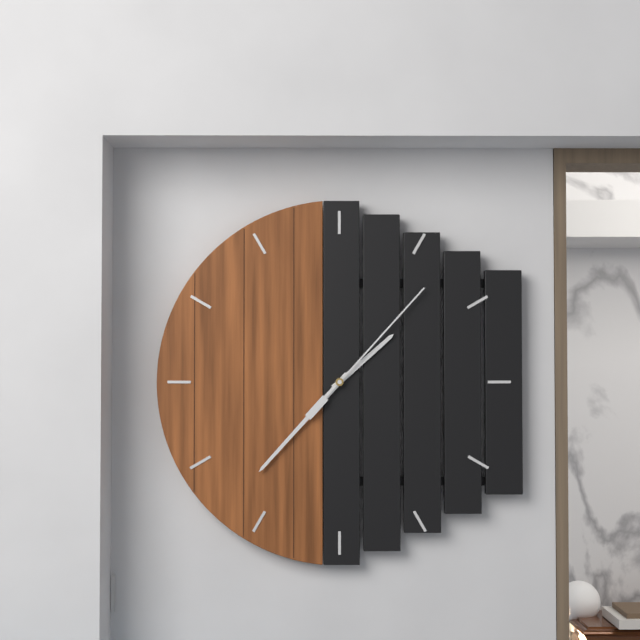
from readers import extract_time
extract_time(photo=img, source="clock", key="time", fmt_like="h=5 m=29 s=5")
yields h=1 m=37 s=7
